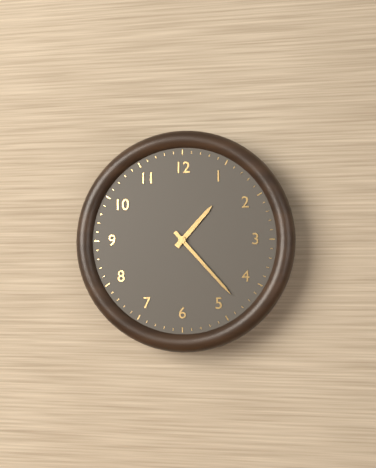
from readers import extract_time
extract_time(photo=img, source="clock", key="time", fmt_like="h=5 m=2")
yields h=1 m=23
